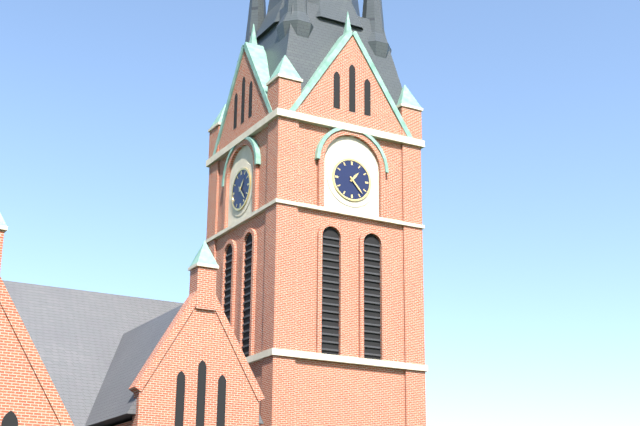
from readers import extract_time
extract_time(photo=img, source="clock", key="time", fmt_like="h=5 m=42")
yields h=1 m=23
